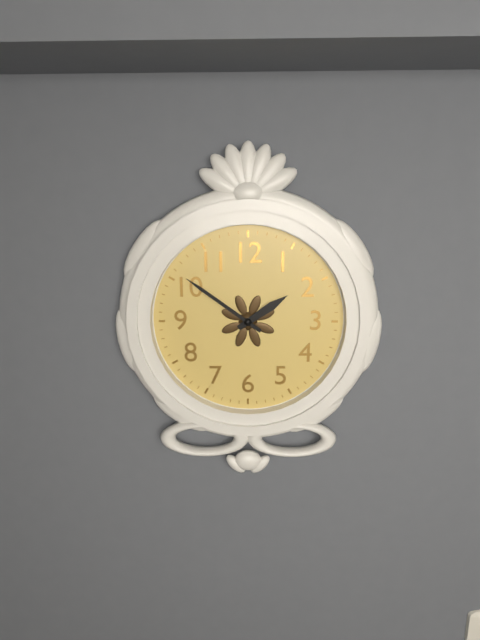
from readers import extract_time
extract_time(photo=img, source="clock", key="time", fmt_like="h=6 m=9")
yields h=1 m=51
